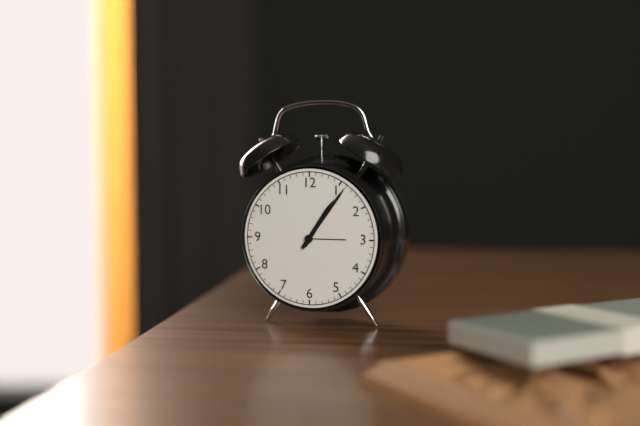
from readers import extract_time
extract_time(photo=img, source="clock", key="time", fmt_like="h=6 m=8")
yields h=1 m=6
